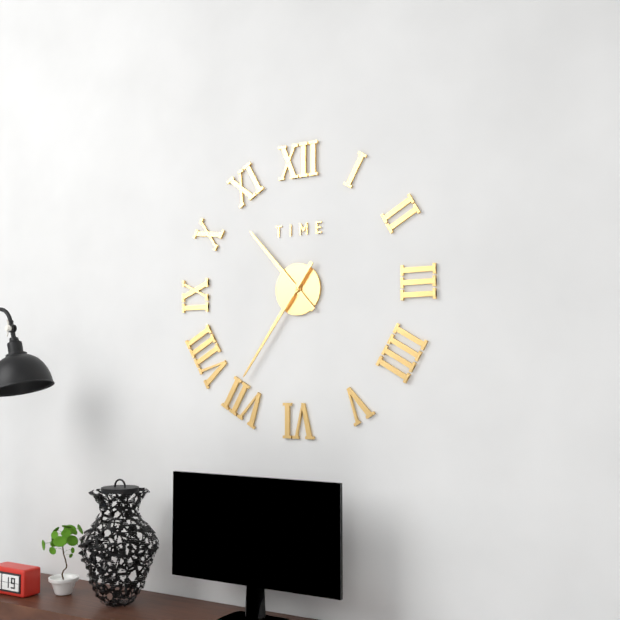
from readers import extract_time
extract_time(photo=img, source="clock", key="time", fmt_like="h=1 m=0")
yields h=10 m=36
